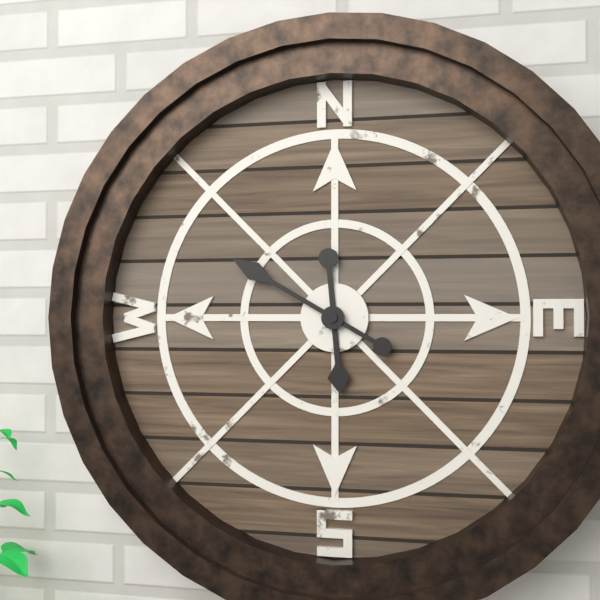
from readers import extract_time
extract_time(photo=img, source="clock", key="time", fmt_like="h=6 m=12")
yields h=5 m=50
